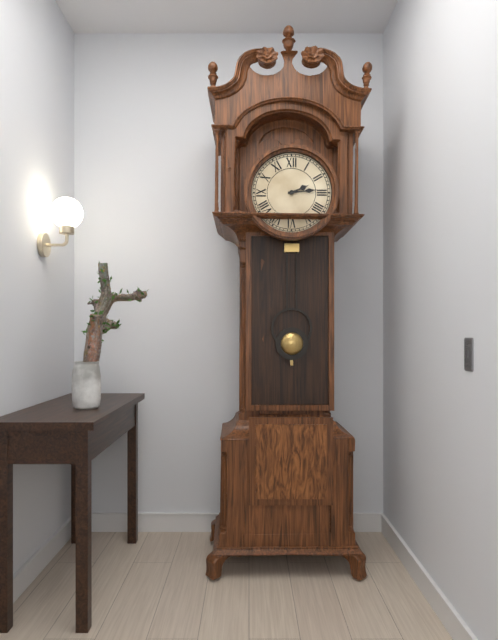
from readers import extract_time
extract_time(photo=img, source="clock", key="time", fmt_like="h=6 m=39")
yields h=2 m=14
